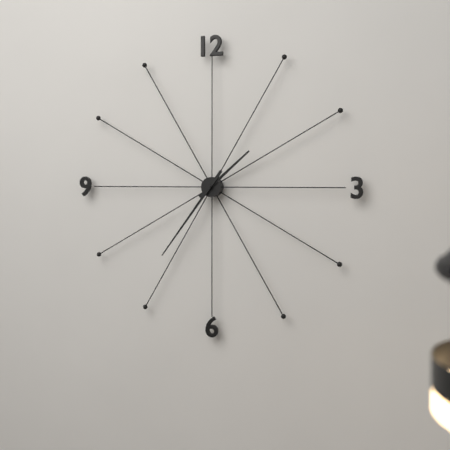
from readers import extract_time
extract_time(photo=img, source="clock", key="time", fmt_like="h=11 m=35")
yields h=1 m=36
